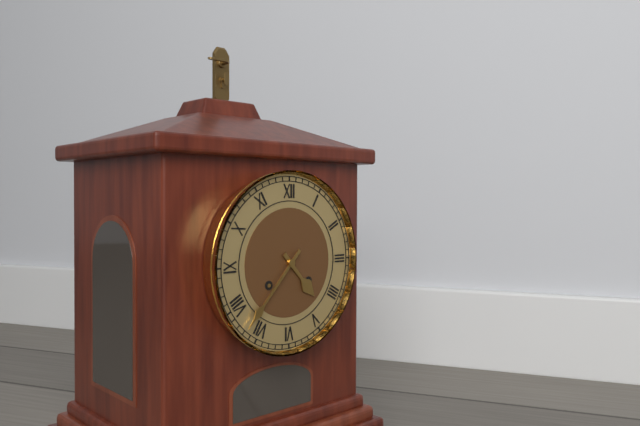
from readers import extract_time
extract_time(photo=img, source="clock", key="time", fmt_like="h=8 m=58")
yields h=4 m=37
